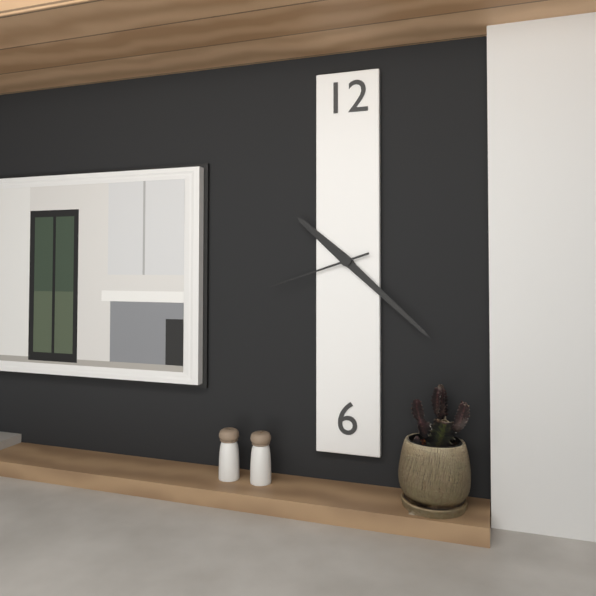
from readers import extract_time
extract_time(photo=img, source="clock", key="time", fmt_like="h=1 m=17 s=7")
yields h=10 m=22 s=42
